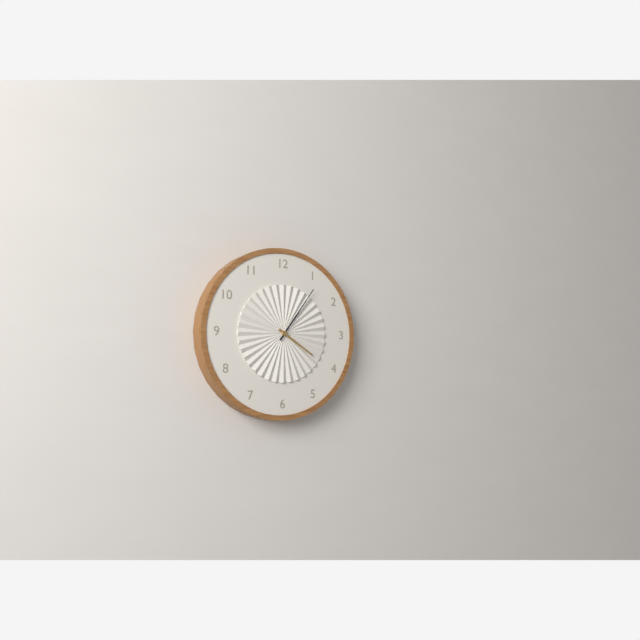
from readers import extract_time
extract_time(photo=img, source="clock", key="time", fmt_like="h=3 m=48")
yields h=4 m=6
